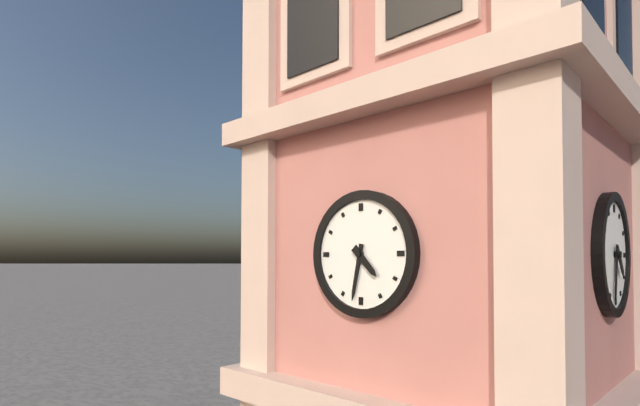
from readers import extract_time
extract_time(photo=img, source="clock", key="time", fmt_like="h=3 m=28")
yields h=4 m=32
